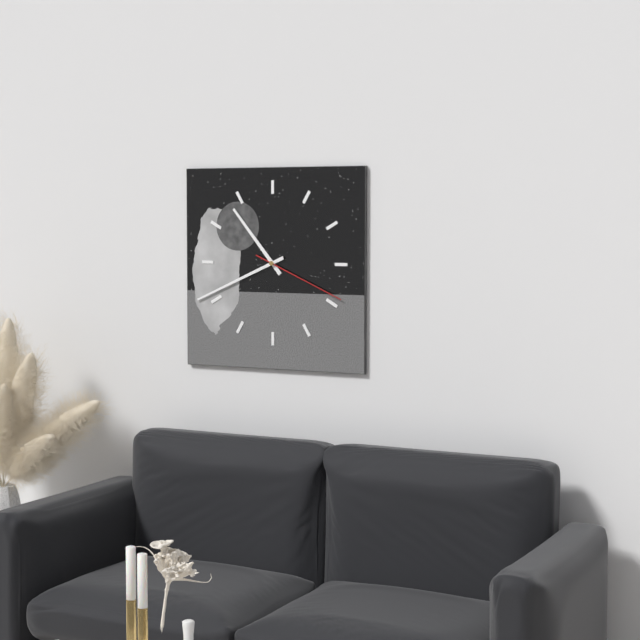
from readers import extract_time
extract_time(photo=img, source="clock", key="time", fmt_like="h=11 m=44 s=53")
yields h=10 m=41 s=19
